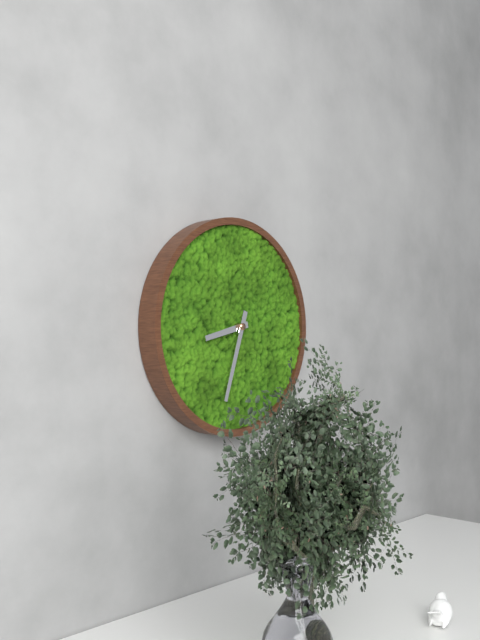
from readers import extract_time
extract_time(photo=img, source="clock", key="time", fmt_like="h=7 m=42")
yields h=8 m=33
